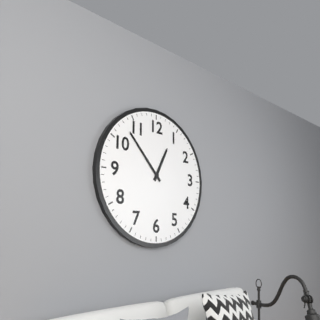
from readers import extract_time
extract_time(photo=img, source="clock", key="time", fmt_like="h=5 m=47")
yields h=12 m=53
